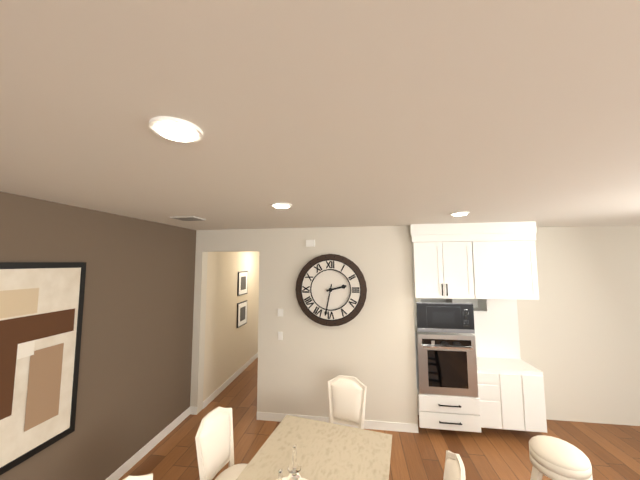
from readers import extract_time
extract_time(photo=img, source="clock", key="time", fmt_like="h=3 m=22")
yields h=2 m=32
